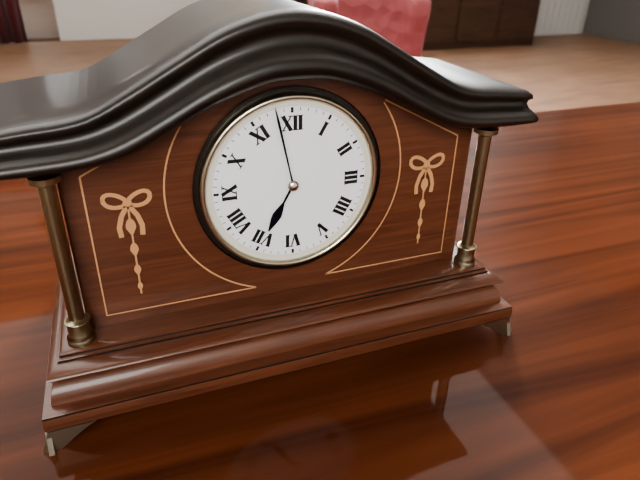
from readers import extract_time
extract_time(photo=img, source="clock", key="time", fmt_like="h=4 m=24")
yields h=6 m=58
